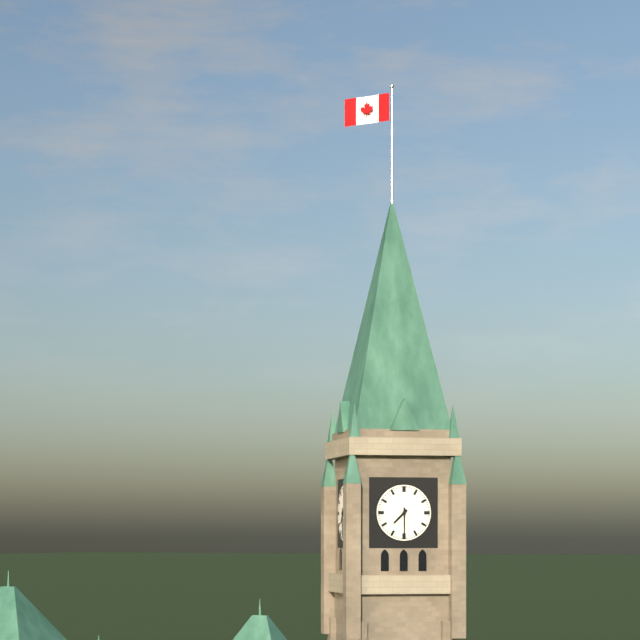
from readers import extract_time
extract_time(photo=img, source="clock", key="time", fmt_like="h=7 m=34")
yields h=7 m=30
